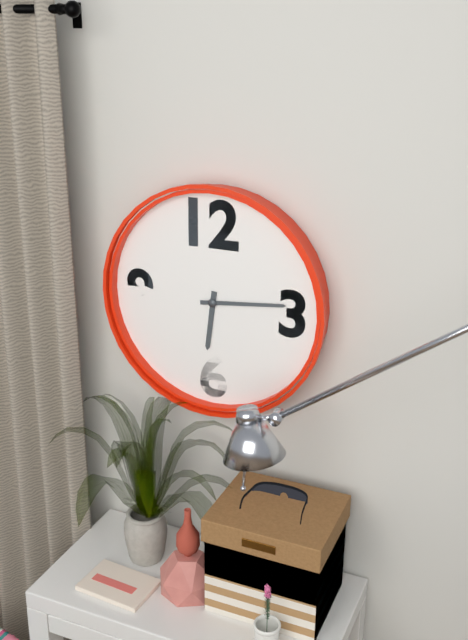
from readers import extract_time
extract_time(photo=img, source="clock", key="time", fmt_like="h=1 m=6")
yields h=6 m=14
